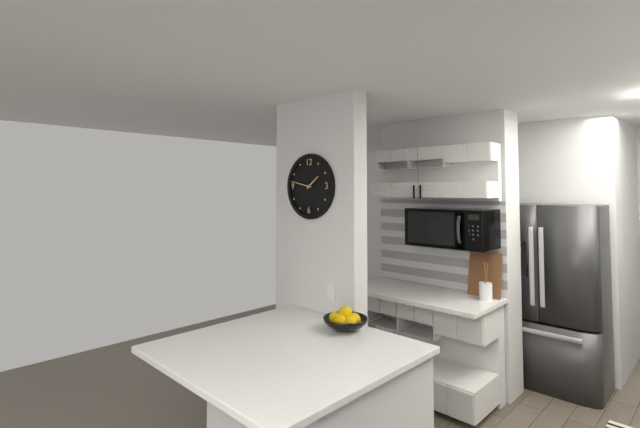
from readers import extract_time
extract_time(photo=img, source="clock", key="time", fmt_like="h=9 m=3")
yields h=1 m=47
